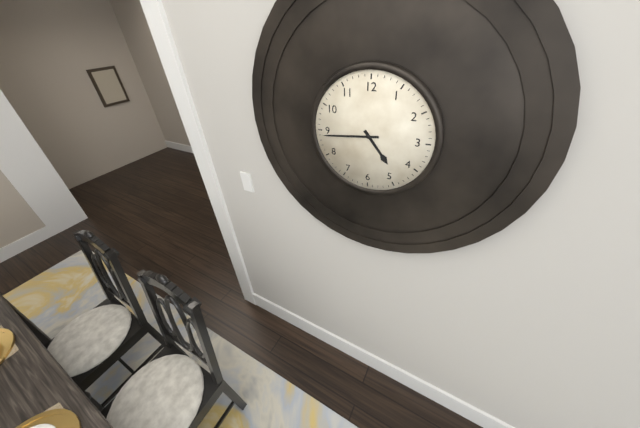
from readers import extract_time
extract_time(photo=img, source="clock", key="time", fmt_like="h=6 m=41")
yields h=4 m=44
